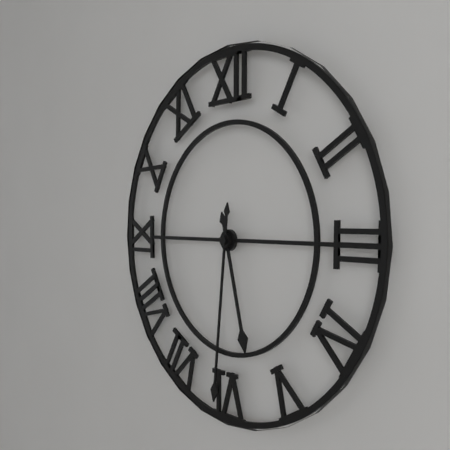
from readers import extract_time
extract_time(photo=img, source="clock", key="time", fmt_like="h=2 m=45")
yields h=5 m=31
